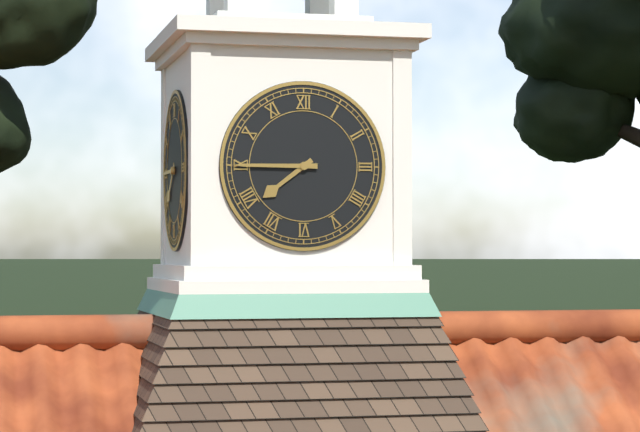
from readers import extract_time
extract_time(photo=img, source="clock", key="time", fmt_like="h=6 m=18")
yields h=7 m=45
